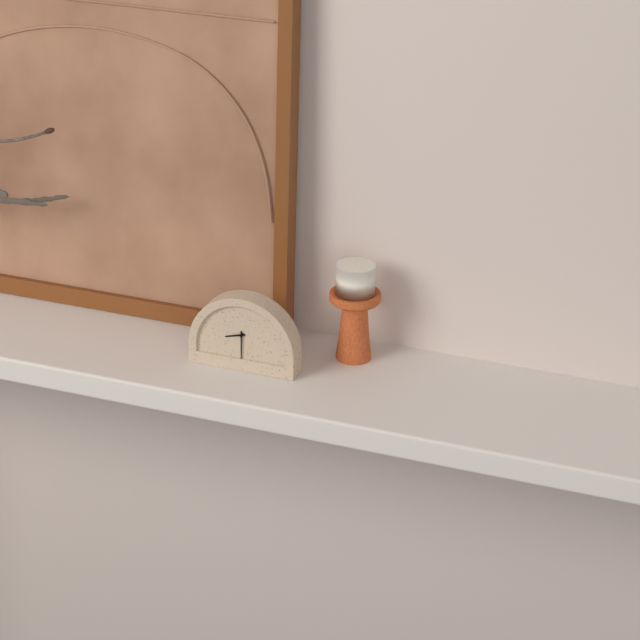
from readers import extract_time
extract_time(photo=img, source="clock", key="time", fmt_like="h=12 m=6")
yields h=8 m=30
